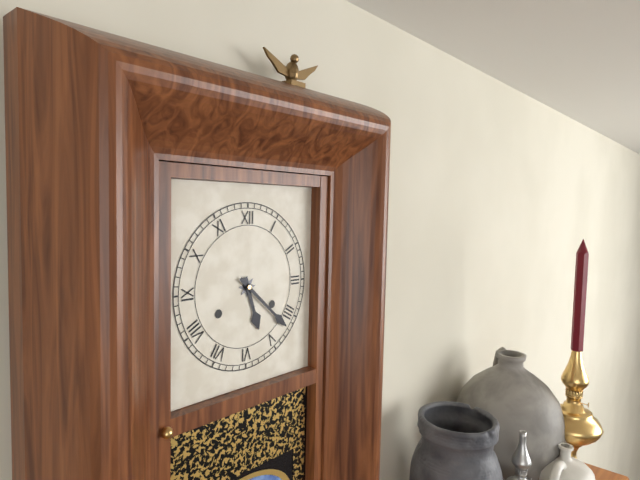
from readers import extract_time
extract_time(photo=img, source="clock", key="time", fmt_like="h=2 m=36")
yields h=5 m=22
